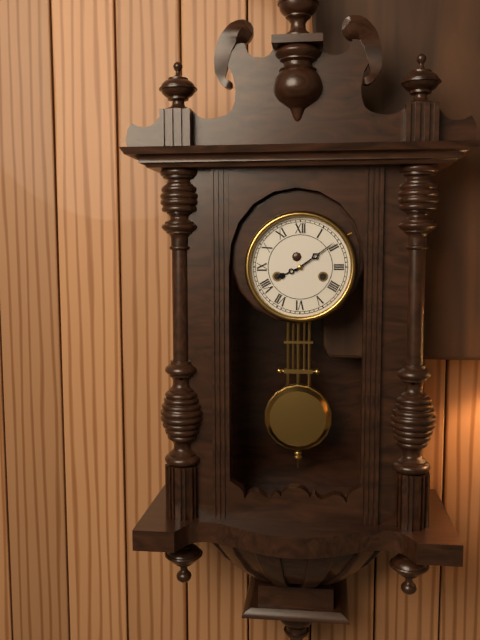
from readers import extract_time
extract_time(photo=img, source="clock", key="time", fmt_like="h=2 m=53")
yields h=8 m=9
